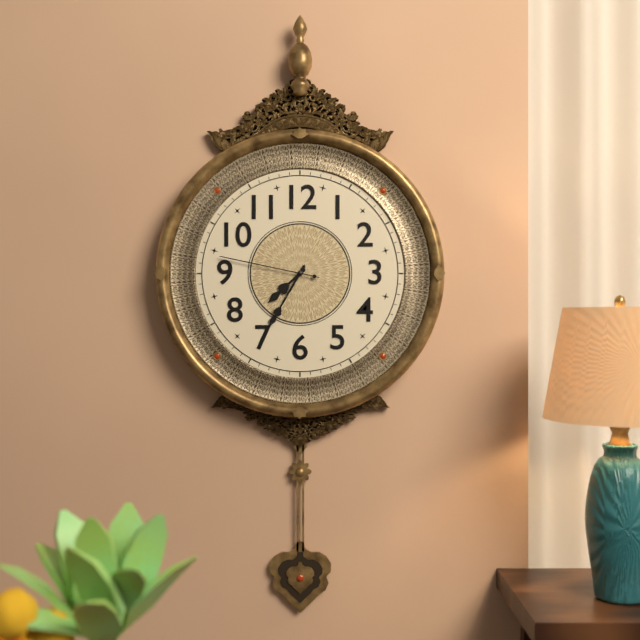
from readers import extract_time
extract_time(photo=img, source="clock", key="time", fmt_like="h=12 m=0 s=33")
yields h=7 m=35 s=47
